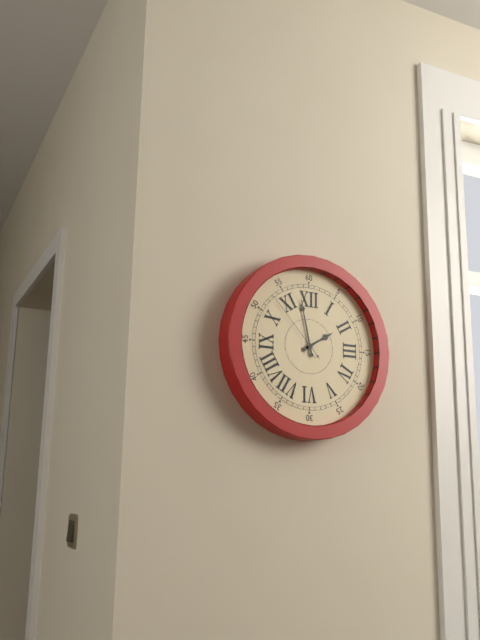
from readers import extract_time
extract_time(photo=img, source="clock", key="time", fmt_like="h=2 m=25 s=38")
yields h=1 m=58 s=53
